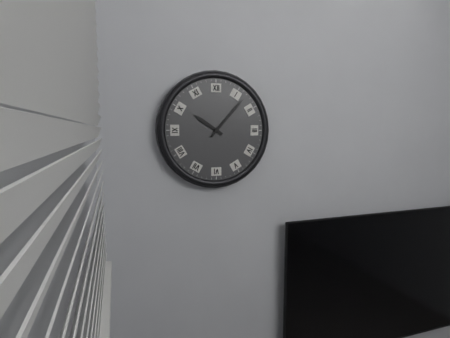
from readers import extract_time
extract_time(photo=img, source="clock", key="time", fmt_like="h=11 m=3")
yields h=10 m=7
